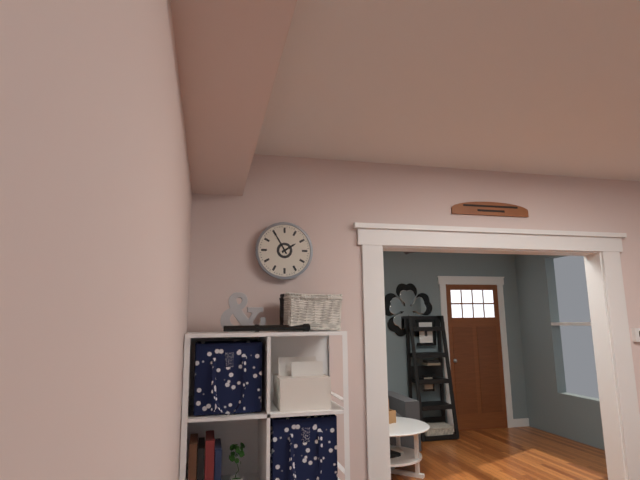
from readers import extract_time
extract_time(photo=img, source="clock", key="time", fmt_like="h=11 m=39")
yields h=1 m=55
